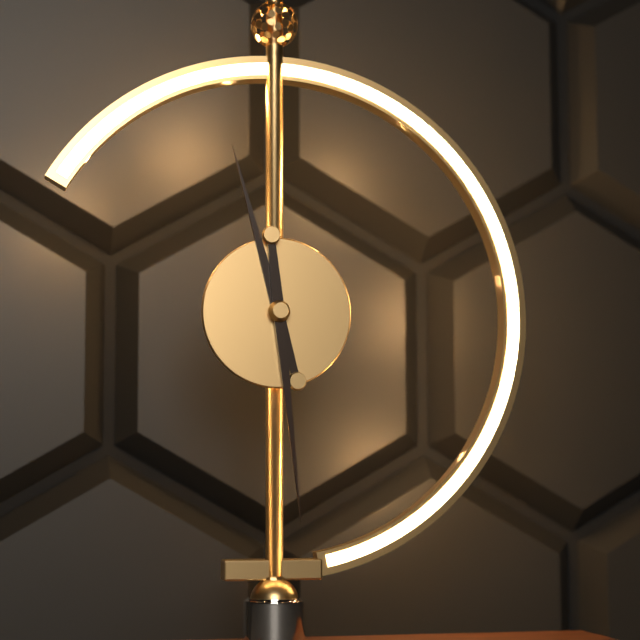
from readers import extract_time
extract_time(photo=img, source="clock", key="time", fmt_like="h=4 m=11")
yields h=11 m=29
